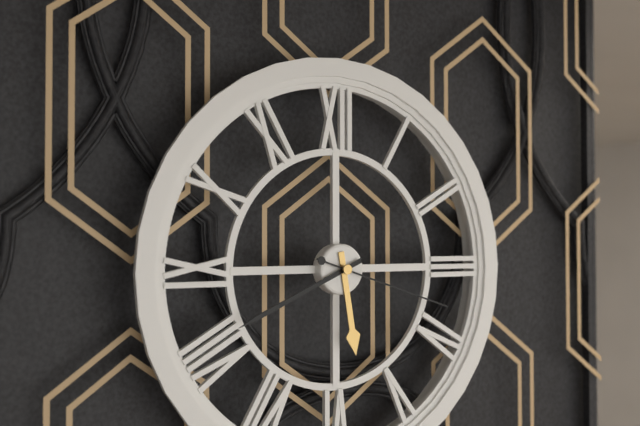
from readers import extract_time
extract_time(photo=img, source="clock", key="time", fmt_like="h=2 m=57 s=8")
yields h=5 m=41 s=18
